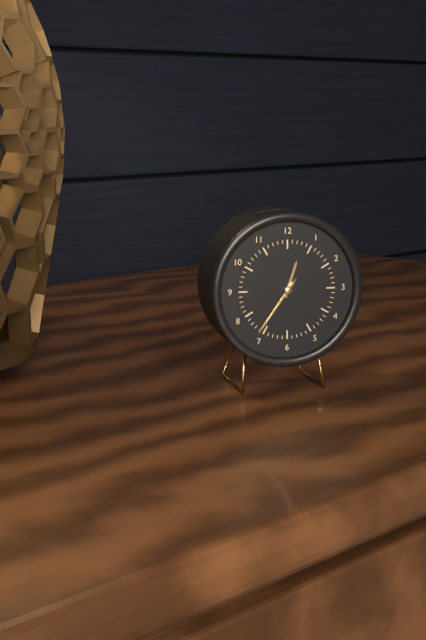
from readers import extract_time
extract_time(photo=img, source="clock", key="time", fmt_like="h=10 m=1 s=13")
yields h=12 m=36 s=36
